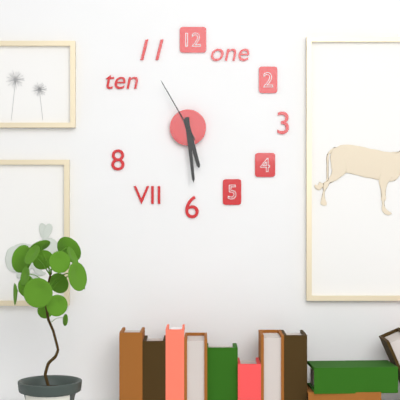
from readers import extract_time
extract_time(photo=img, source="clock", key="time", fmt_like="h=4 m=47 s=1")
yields h=5 m=29 s=55
